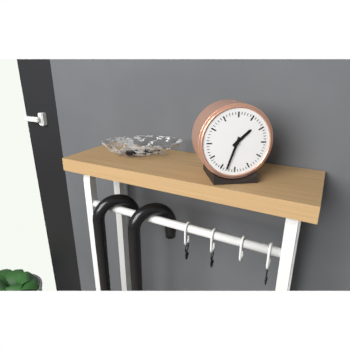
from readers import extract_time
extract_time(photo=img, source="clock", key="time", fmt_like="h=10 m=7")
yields h=1 m=33
